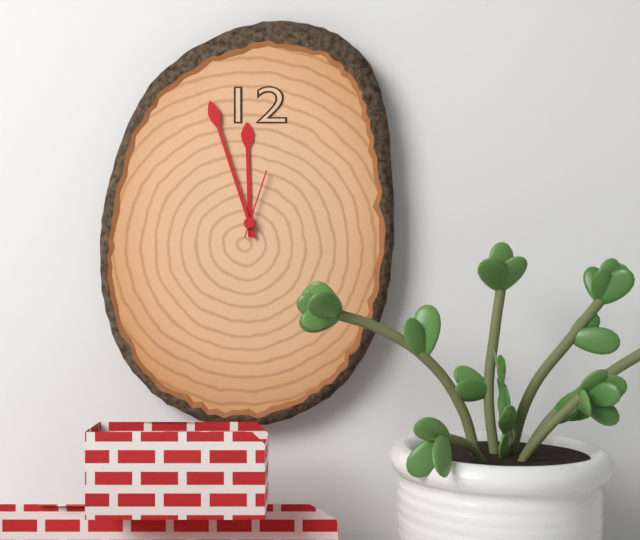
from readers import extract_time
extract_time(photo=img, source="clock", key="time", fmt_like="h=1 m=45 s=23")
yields h=11 m=57 s=3
